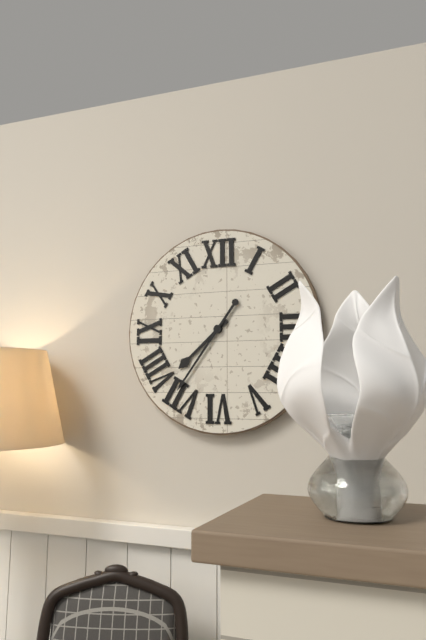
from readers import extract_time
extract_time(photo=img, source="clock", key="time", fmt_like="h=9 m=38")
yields h=7 m=36
